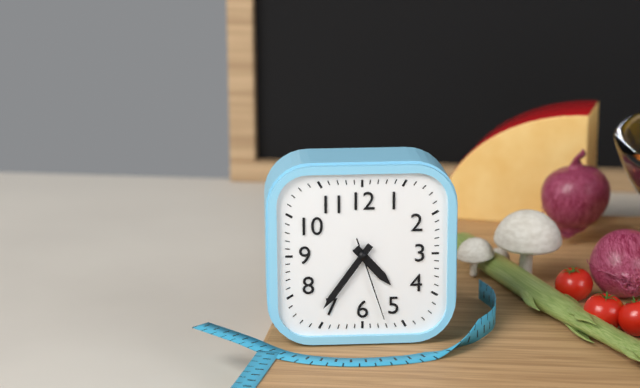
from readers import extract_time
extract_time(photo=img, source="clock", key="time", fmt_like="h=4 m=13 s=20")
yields h=4 m=36 s=27
